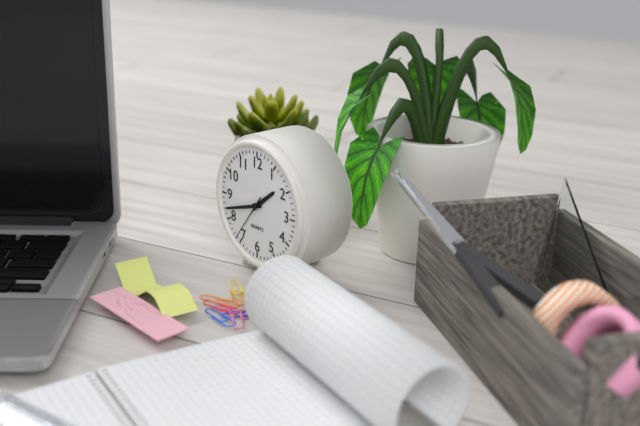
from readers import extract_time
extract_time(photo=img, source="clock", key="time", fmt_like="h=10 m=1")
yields h=1 m=42
